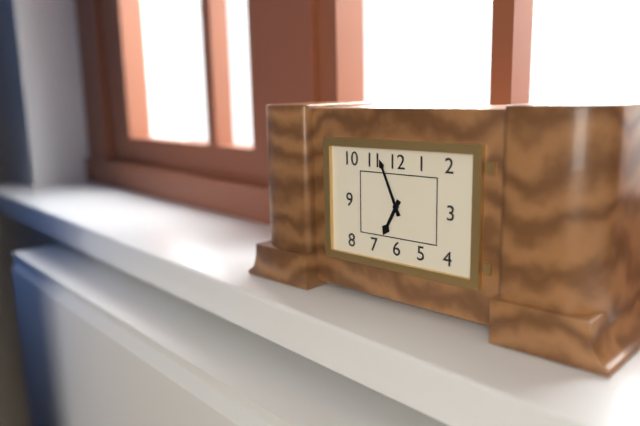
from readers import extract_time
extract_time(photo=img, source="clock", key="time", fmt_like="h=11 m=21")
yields h=6 m=56
